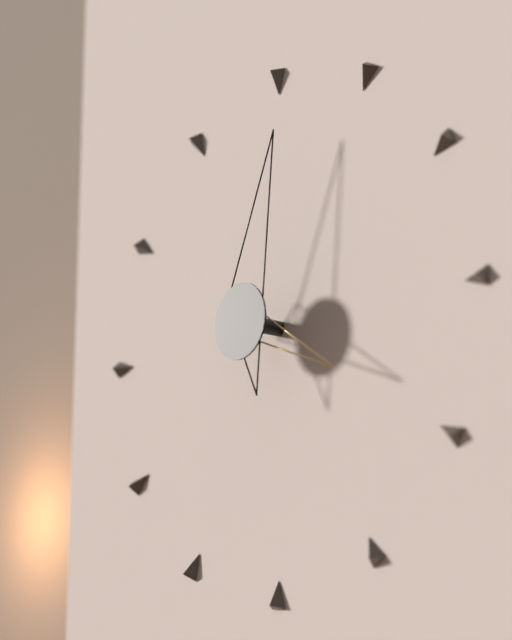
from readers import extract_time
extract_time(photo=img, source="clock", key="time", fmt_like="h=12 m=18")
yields h=4 m=2
